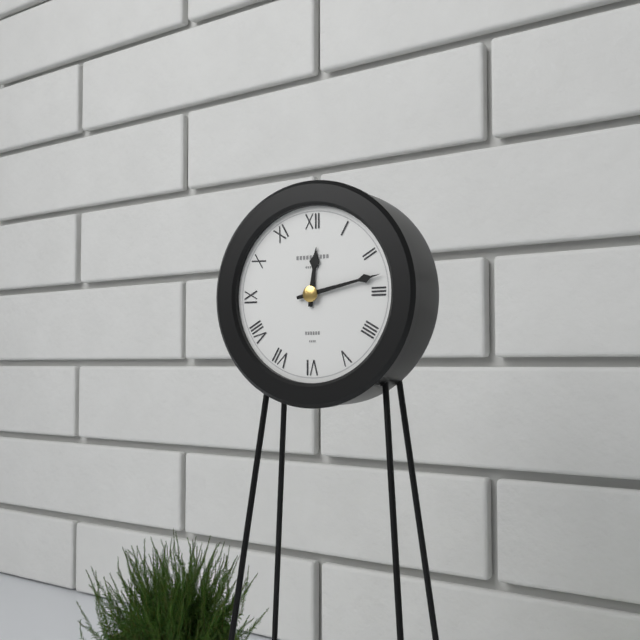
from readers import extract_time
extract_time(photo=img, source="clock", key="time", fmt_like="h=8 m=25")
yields h=12 m=13
